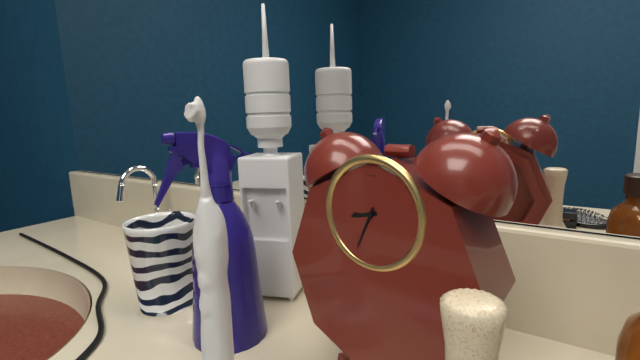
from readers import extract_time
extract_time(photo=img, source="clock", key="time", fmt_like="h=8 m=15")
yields h=8 m=34
